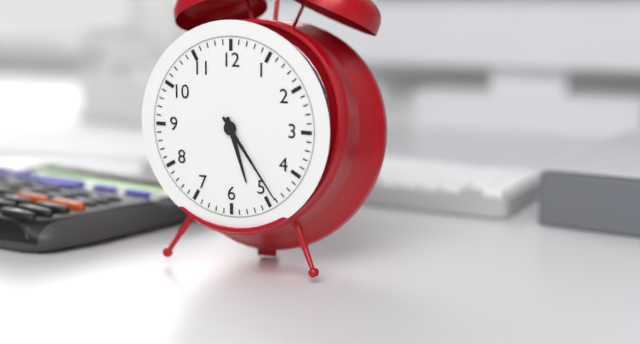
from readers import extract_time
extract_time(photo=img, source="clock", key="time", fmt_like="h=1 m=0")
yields h=5 m=24
